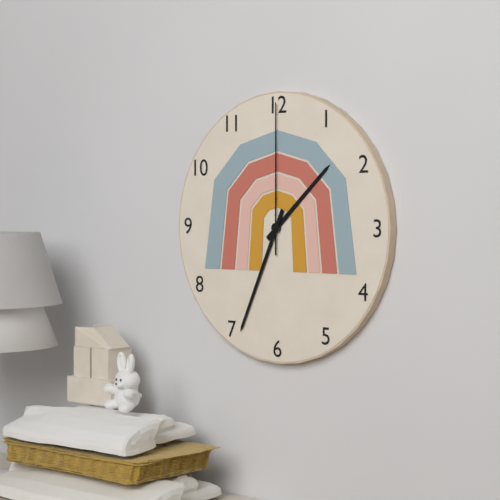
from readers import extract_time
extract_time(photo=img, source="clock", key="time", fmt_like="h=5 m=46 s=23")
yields h=1 m=34 s=0
